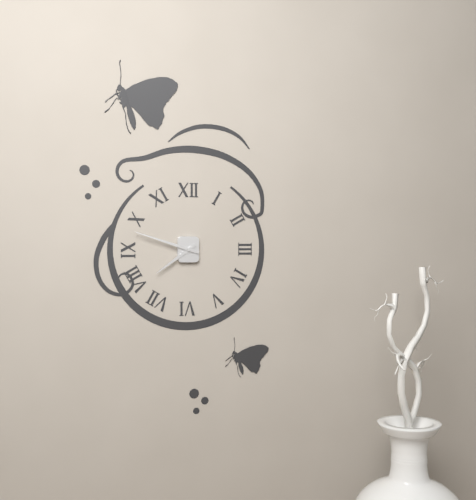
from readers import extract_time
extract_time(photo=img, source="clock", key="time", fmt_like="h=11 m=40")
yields h=7 m=48
